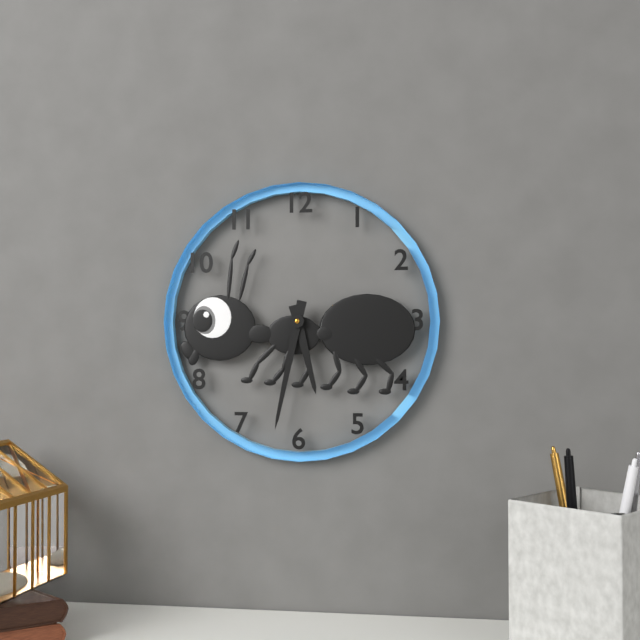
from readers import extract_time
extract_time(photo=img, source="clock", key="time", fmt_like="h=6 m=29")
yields h=5 m=32
